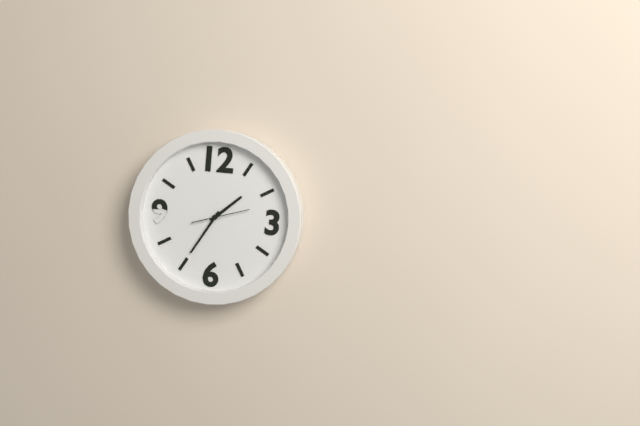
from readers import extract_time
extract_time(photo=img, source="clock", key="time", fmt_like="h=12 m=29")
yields h=1 m=35
